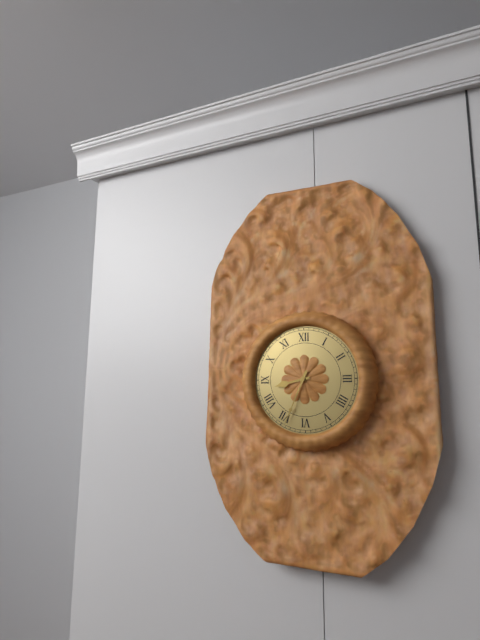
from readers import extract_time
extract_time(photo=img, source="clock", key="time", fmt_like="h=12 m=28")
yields h=8 m=34
